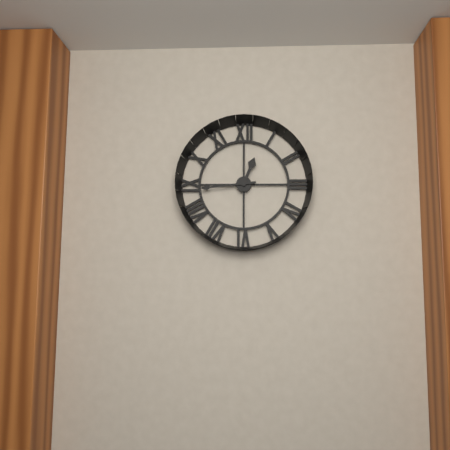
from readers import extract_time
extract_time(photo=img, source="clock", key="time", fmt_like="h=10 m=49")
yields h=12 m=44
